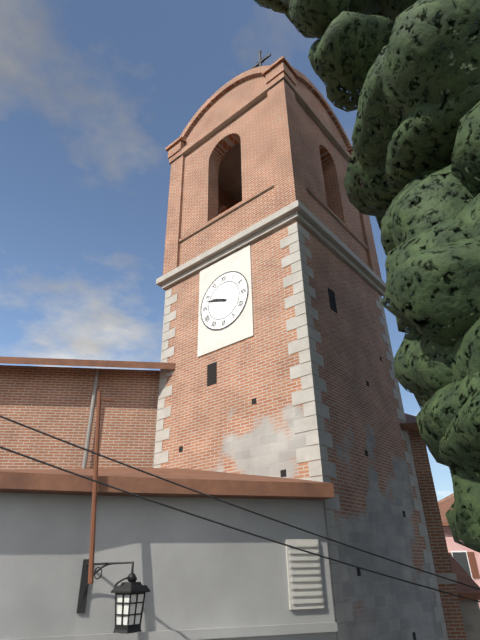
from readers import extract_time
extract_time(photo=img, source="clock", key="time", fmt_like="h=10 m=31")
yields h=9 m=48
